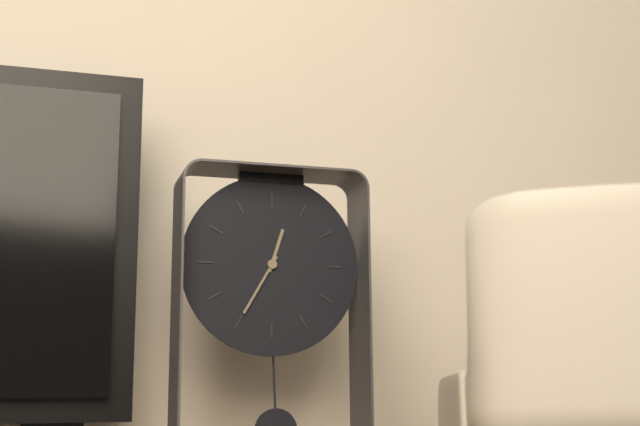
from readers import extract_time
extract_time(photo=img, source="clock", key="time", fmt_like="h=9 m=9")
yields h=12 m=35
